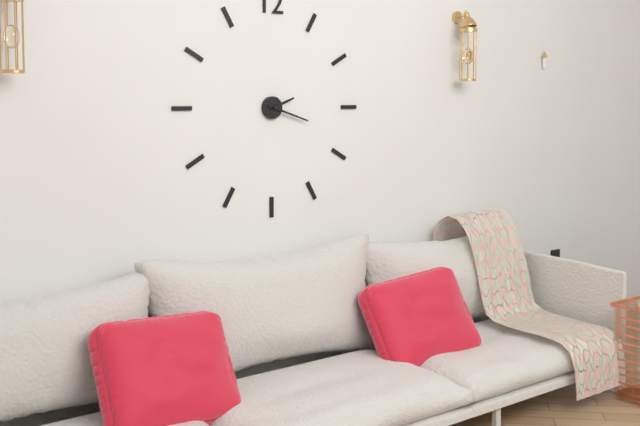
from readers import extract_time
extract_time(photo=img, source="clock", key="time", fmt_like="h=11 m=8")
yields h=2 m=18
